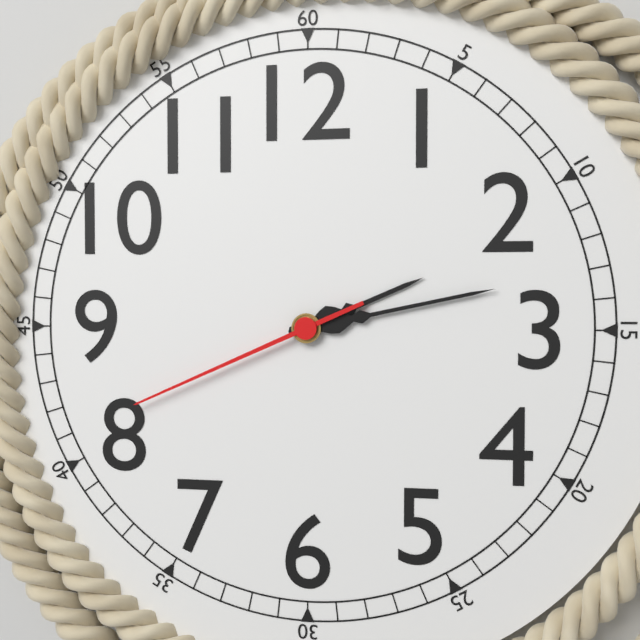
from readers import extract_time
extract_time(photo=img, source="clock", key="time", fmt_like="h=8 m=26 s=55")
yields h=2 m=13 s=41
